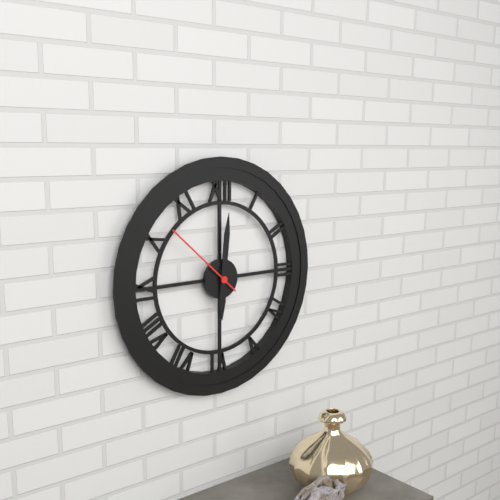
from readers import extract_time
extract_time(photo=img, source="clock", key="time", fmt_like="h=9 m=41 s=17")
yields h=6 m=1 s=52
